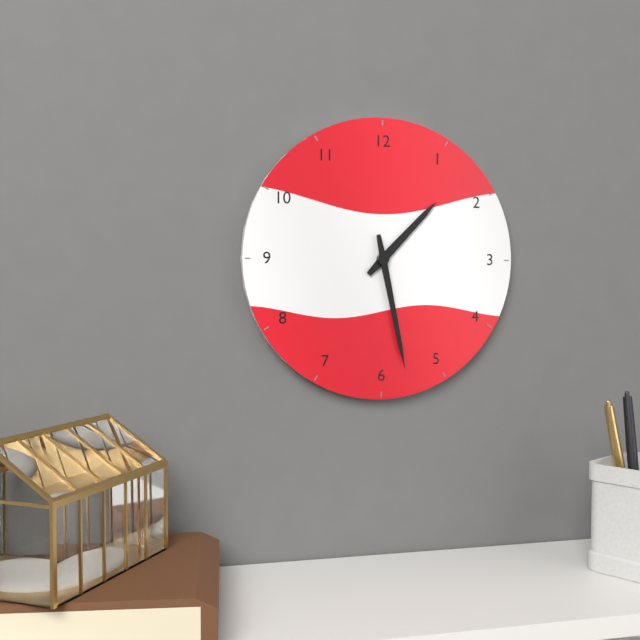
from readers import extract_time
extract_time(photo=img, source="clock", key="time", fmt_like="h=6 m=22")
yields h=1 m=28
